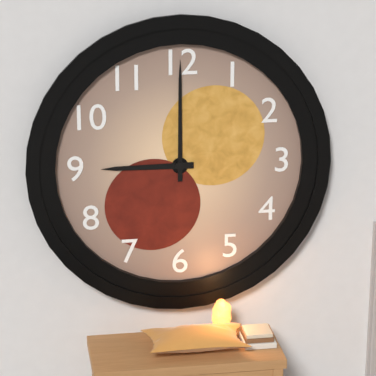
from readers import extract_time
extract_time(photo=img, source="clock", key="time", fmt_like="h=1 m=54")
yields h=9 m=0
